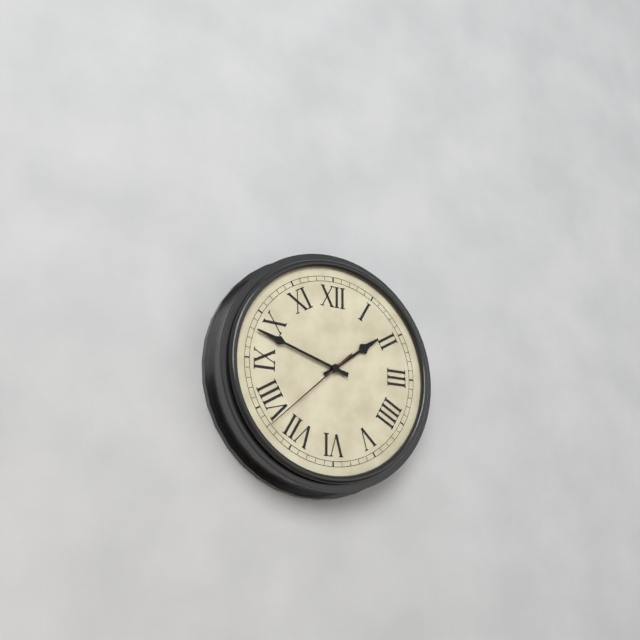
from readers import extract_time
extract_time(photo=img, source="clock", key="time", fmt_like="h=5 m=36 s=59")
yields h=1 m=48 s=38
